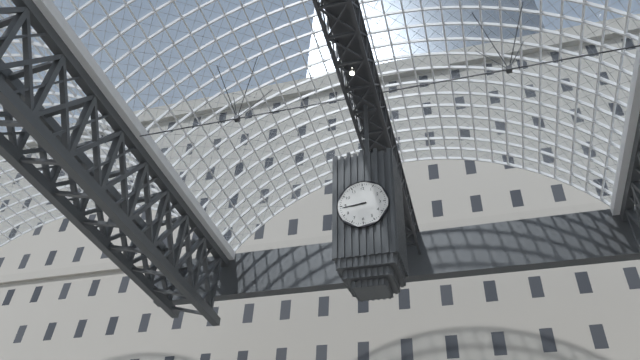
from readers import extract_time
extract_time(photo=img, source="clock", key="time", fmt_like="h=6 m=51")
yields h=8 m=44
